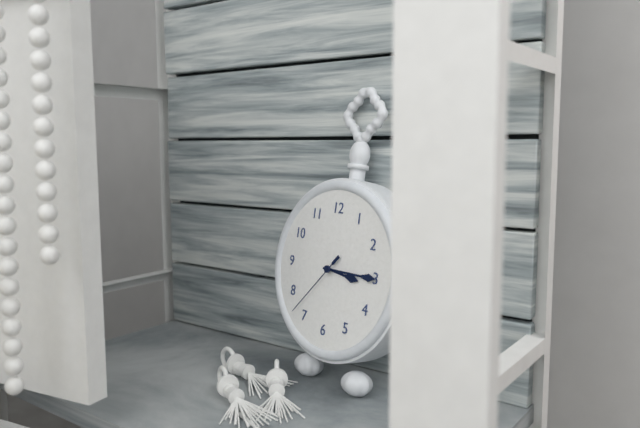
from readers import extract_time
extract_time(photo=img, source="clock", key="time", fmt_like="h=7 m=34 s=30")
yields h=3 m=15 s=37
